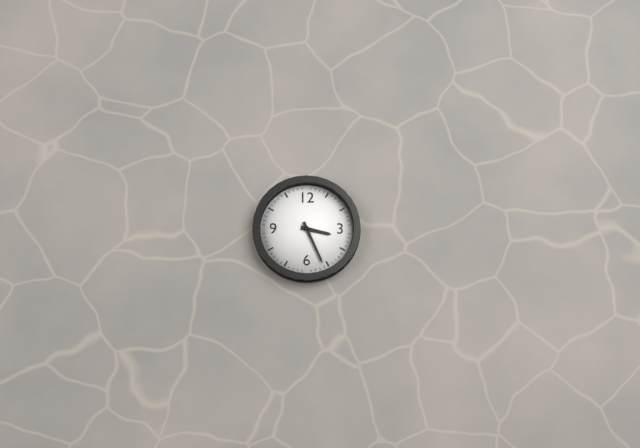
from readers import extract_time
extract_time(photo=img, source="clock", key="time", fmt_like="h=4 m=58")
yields h=3 m=26
